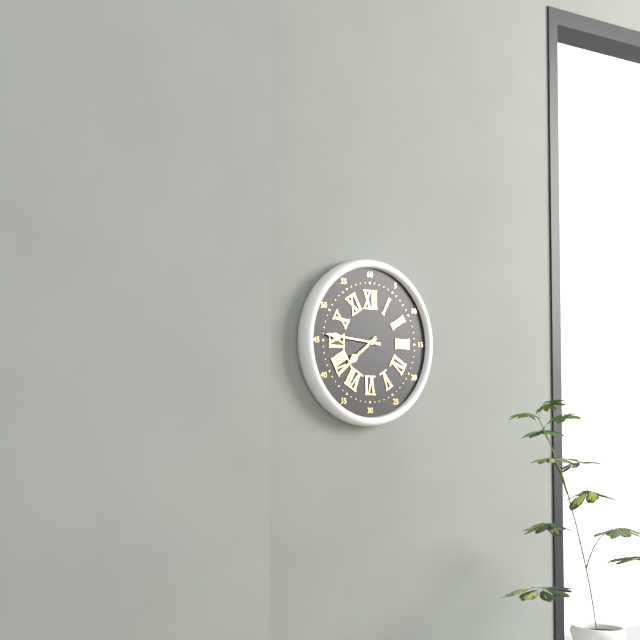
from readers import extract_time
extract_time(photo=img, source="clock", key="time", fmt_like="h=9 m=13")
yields h=7 m=46
